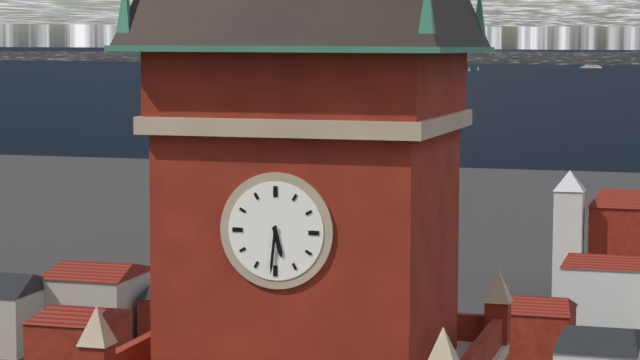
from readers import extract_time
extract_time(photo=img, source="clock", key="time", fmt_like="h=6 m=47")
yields h=5 m=31
